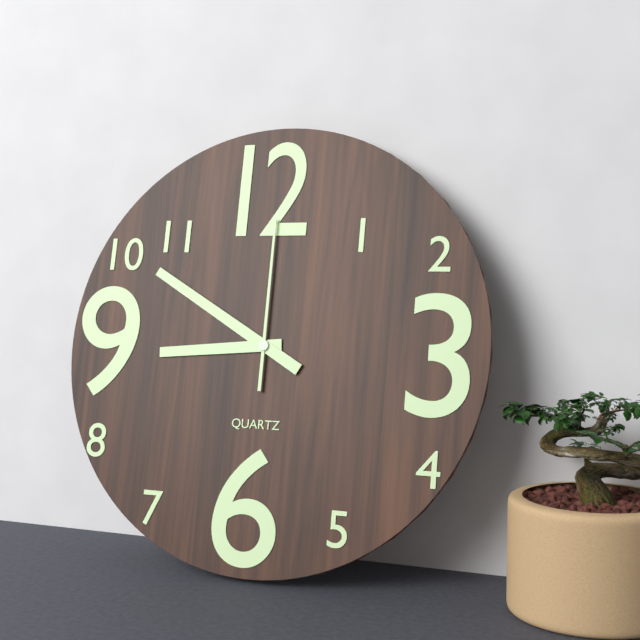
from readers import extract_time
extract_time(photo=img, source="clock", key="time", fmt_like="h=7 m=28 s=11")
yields h=8 m=50 s=0
